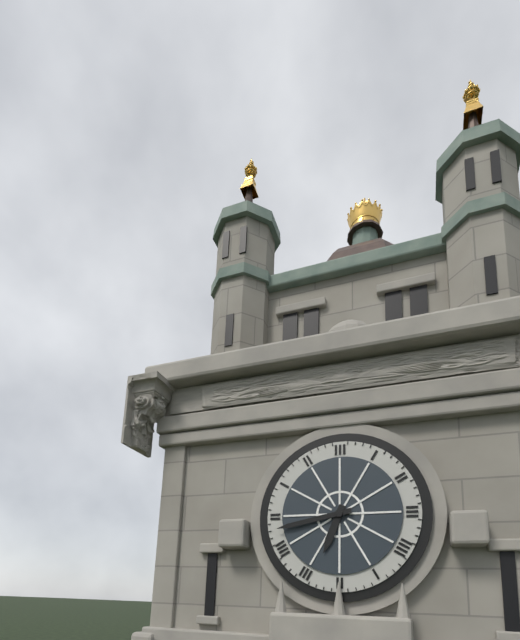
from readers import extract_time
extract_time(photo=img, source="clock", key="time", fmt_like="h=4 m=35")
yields h=6 m=43
